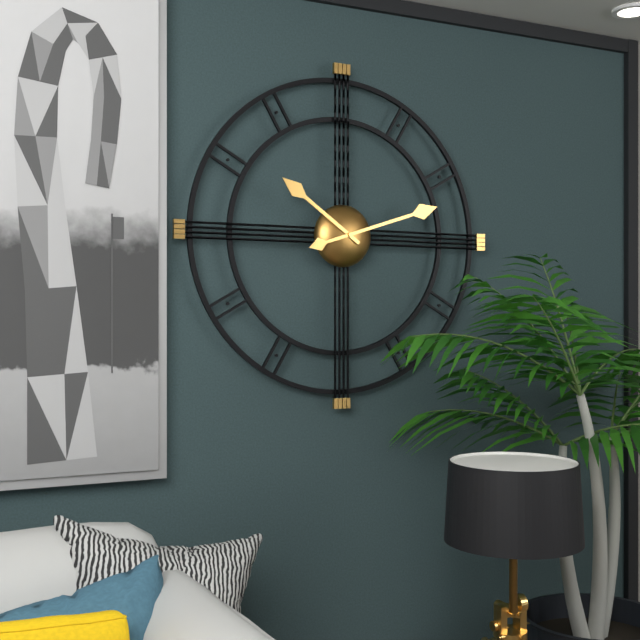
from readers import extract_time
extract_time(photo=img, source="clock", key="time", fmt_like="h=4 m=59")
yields h=10 m=12
